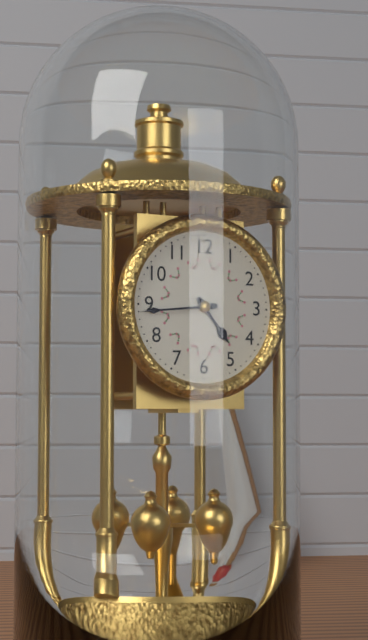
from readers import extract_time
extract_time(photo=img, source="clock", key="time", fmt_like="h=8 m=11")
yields h=4 m=44
